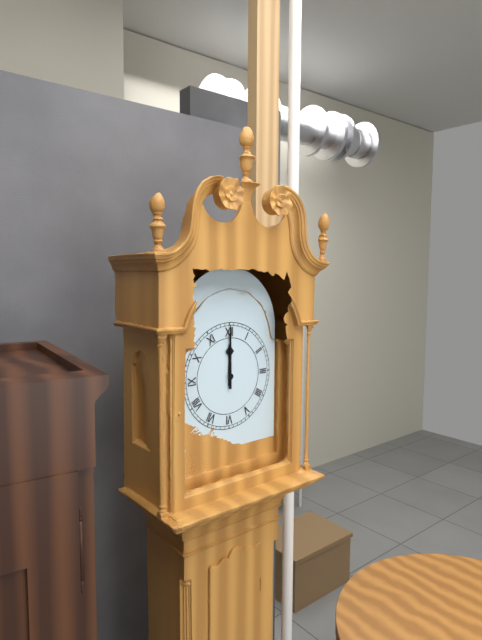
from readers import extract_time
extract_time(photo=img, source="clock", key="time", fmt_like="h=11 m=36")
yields h=12 m=0
